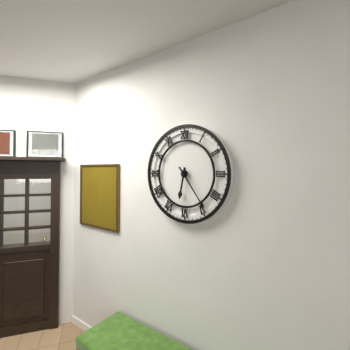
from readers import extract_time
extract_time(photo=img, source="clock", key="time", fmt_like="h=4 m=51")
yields h=6 m=24
